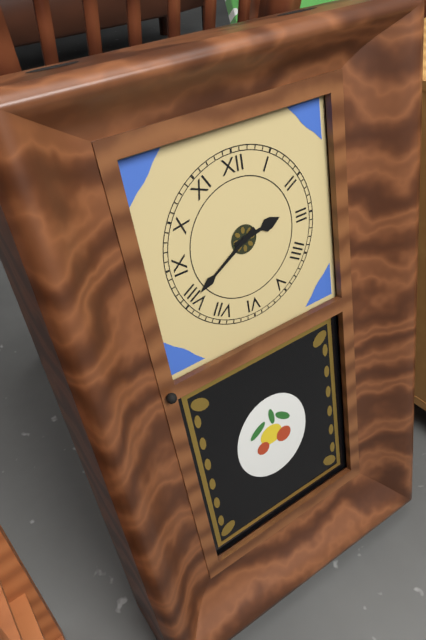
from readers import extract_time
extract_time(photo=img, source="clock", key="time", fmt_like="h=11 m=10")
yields h=2 m=40
